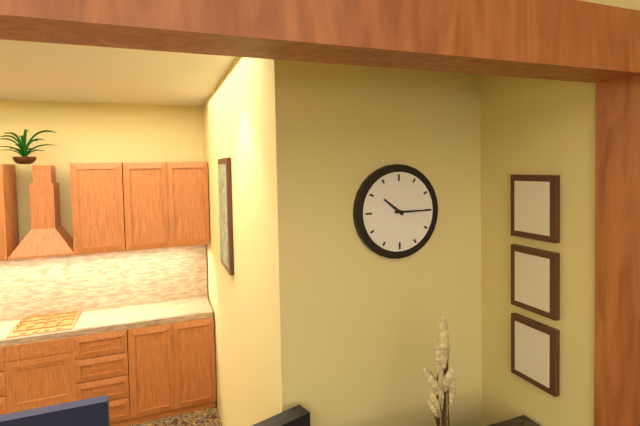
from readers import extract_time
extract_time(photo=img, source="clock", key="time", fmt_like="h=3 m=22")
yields h=10 m=15
